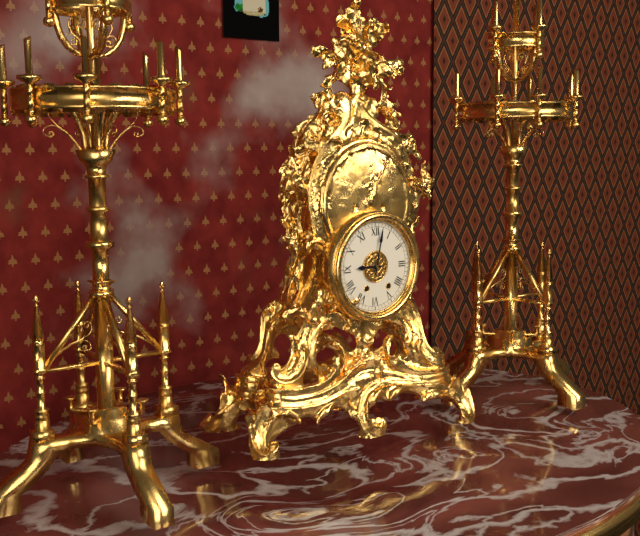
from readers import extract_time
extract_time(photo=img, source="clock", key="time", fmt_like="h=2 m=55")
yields h=9 m=2
